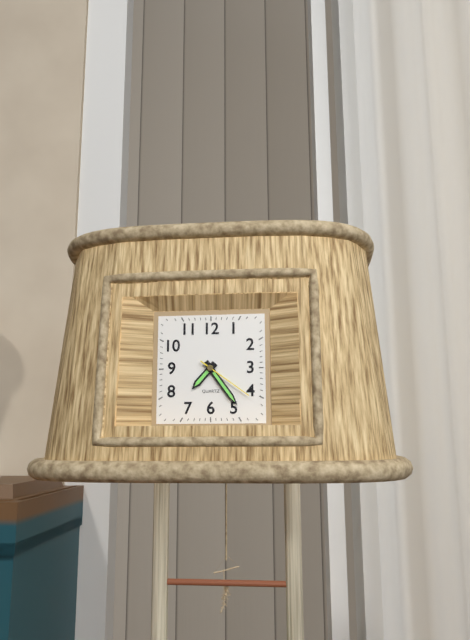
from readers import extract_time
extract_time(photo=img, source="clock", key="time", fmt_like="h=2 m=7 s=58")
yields h=7 m=24 s=21
